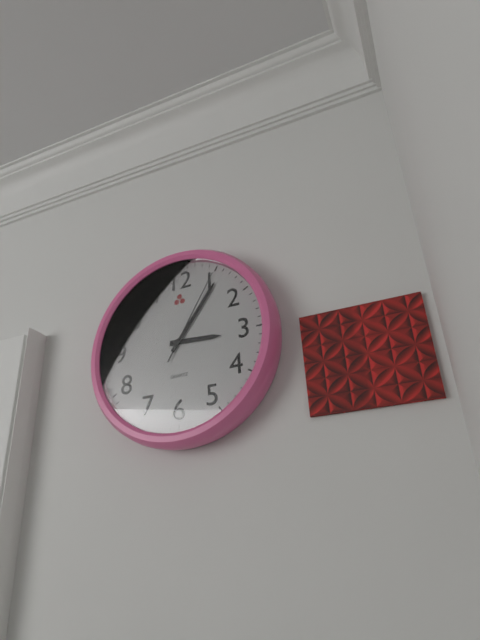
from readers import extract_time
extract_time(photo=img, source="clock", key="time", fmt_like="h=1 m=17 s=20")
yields h=3 m=6 s=5
